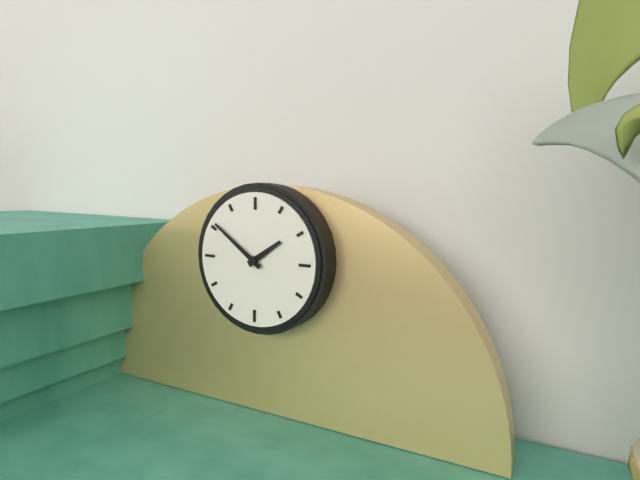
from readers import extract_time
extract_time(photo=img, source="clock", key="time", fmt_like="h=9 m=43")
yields h=1 m=51
